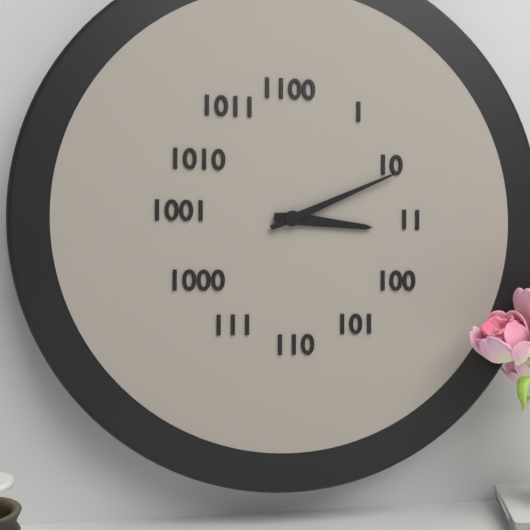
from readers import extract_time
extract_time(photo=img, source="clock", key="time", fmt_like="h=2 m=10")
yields h=3 m=11
